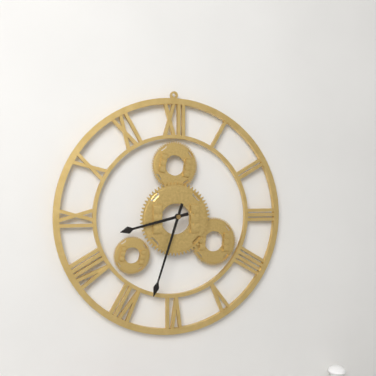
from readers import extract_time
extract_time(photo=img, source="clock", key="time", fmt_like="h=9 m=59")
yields h=8 m=33
